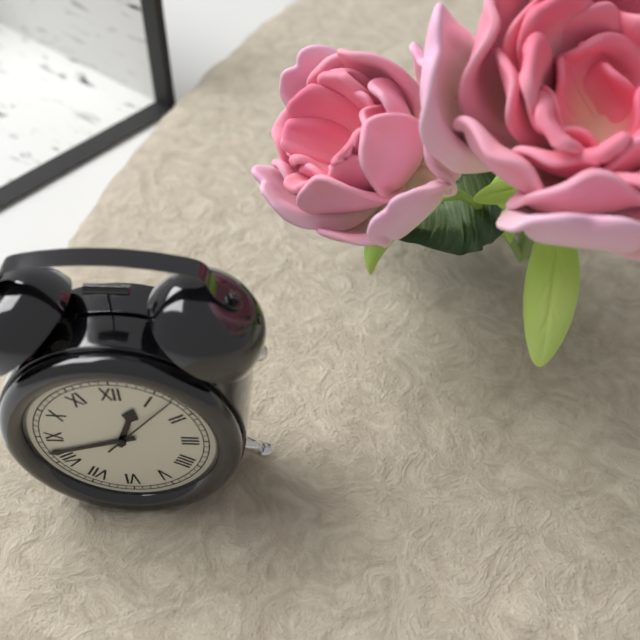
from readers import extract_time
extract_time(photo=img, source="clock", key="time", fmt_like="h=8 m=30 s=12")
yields h=12 m=42 s=7
